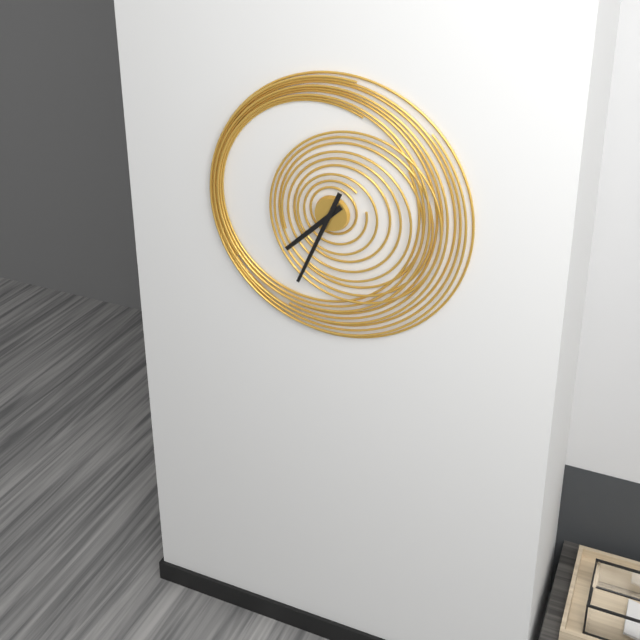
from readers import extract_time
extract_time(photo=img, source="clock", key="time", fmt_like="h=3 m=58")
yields h=7 m=34
